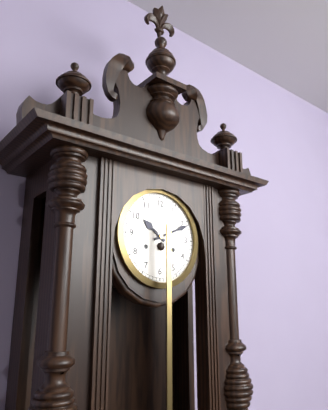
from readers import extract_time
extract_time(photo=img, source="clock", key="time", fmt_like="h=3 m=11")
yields h=10 m=11
